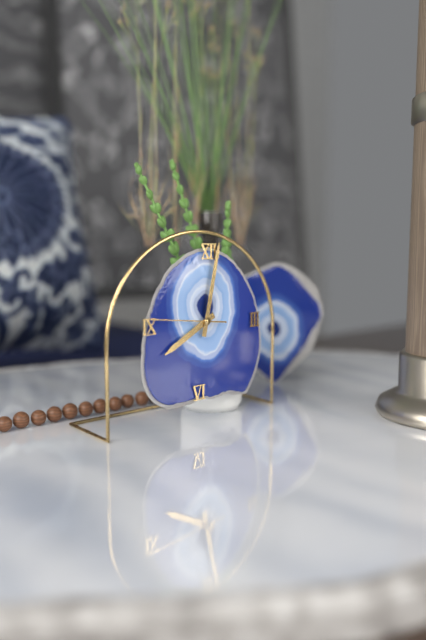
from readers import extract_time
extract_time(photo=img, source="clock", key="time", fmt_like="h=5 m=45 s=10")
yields h=8 m=2 s=46
